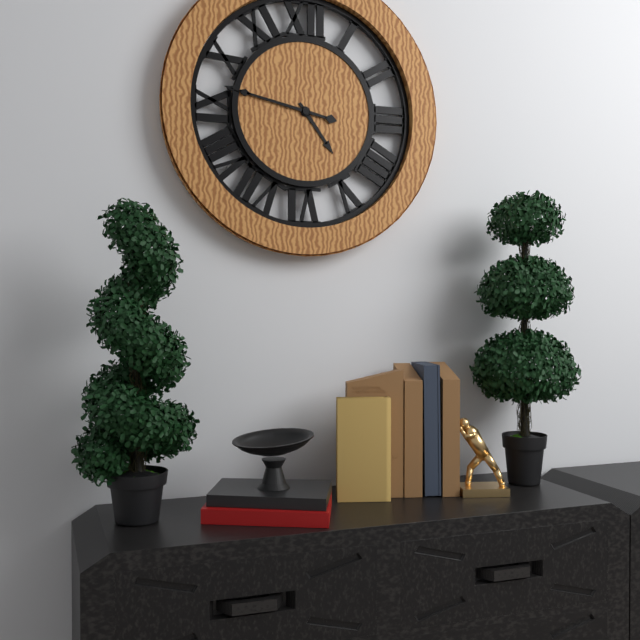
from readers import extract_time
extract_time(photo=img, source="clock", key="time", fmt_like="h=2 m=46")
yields h=4 m=47
